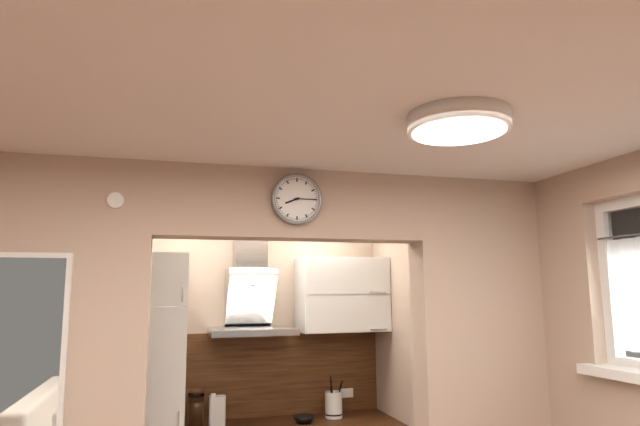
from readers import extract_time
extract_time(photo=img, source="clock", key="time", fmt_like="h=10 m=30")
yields h=8 m=15
